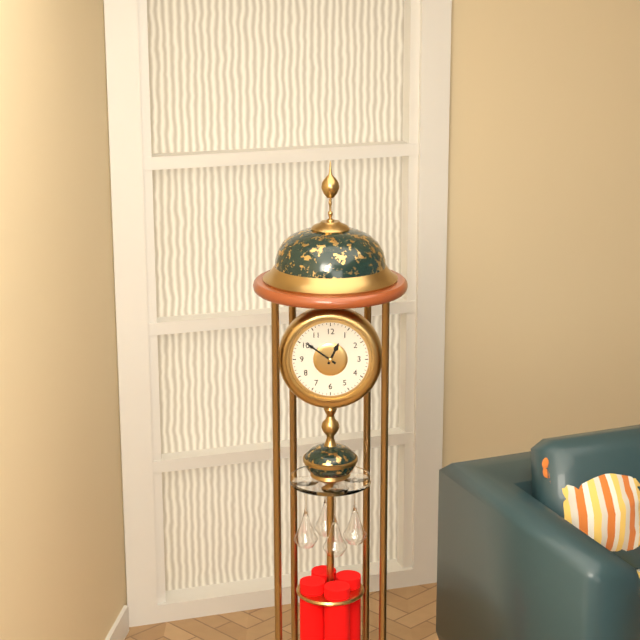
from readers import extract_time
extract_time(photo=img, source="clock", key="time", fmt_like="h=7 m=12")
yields h=12 m=51
